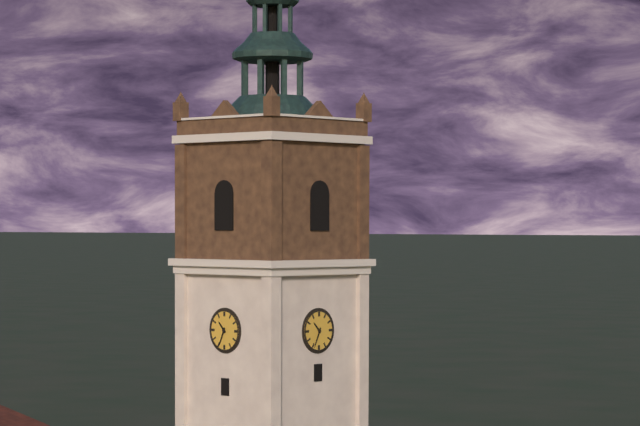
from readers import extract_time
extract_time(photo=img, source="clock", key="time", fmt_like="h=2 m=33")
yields h=10 m=34
